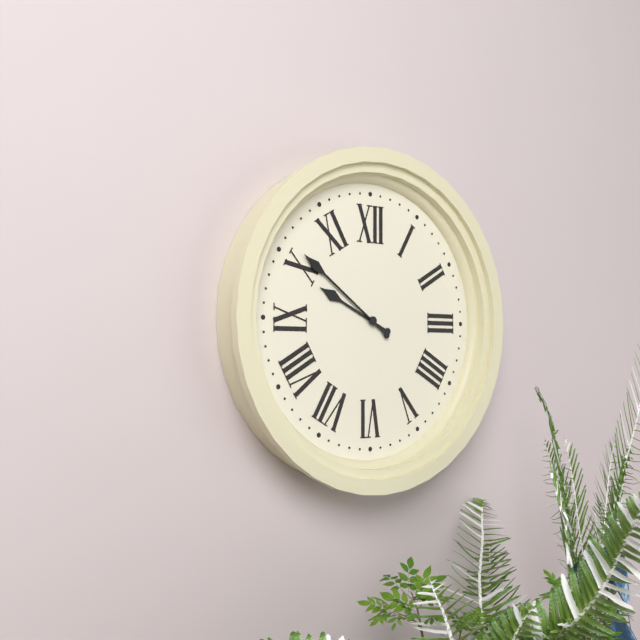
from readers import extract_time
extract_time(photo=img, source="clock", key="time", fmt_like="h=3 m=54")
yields h=9 m=51
